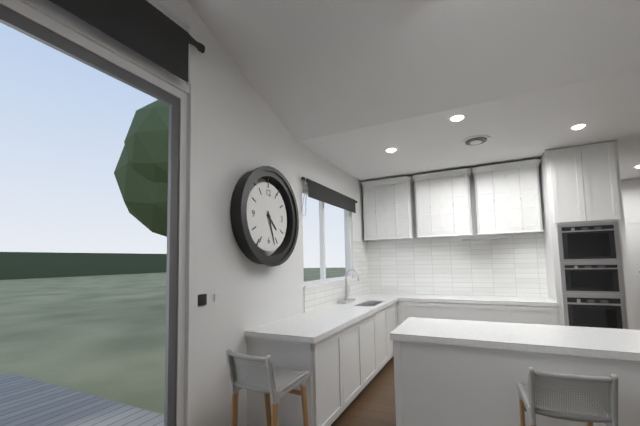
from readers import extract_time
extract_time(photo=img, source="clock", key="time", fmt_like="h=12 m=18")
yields h=4 m=27
